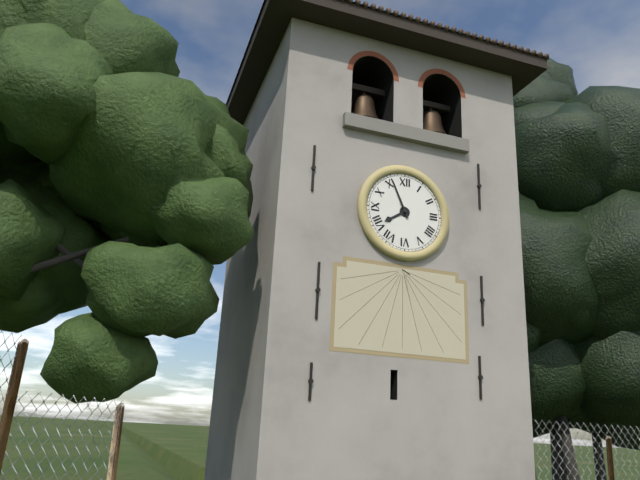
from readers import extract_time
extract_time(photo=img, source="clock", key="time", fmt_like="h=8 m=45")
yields h=7 m=56
